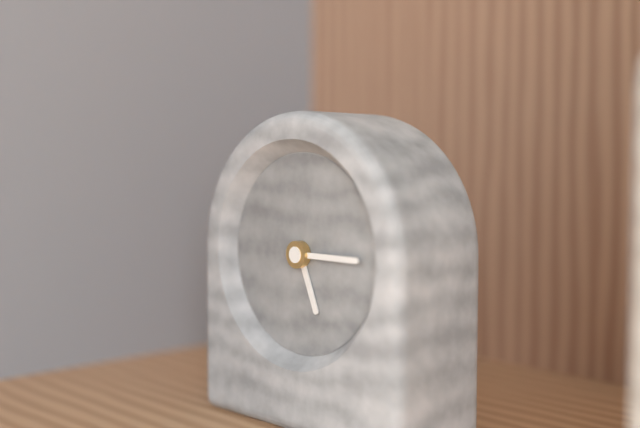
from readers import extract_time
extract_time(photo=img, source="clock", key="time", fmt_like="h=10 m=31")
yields h=5 m=15
